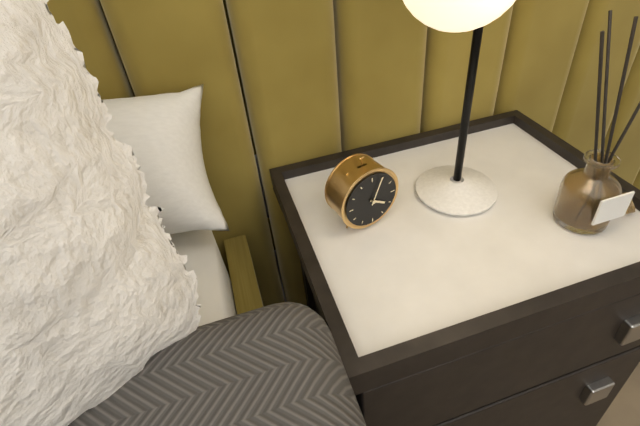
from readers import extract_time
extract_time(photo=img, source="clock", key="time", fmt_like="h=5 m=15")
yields h=4 m=4
